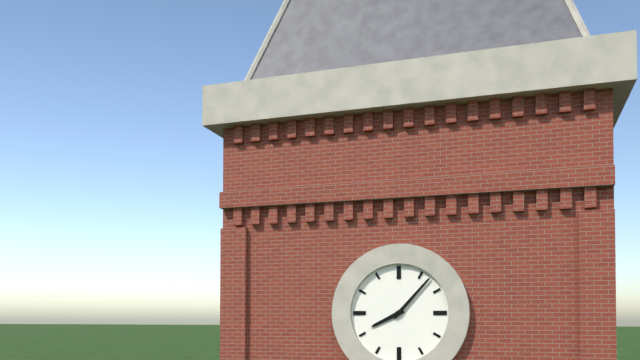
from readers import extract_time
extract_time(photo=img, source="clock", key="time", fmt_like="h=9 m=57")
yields h=8 m=7
